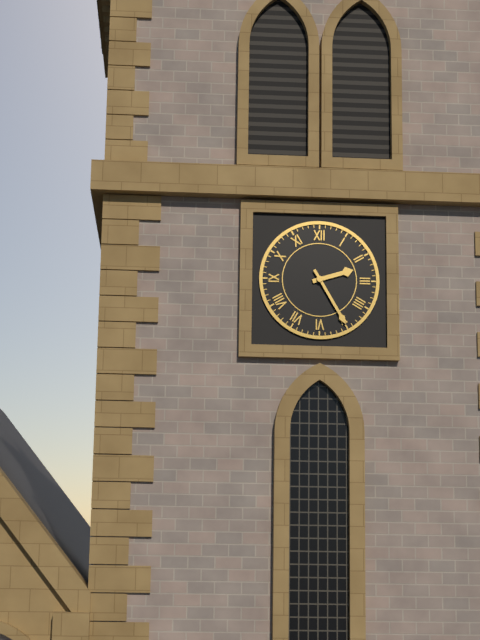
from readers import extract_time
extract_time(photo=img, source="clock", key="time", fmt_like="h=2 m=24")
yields h=2 m=25
